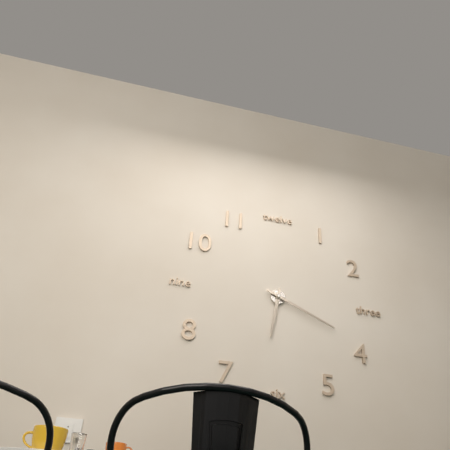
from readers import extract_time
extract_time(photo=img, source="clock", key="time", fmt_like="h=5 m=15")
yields h=6 m=19
